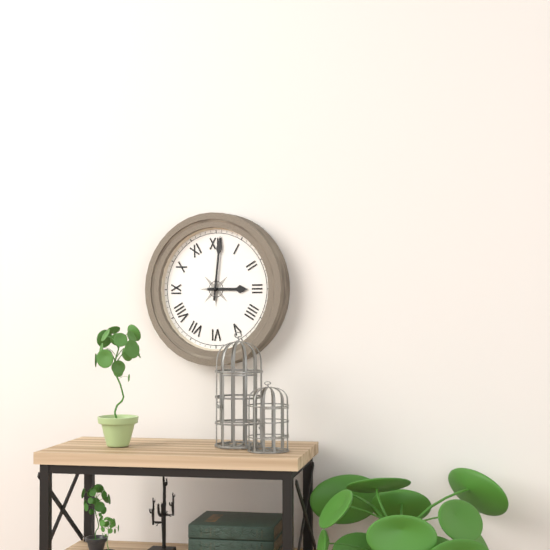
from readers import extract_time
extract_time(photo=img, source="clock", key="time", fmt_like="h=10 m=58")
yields h=3 m=1
